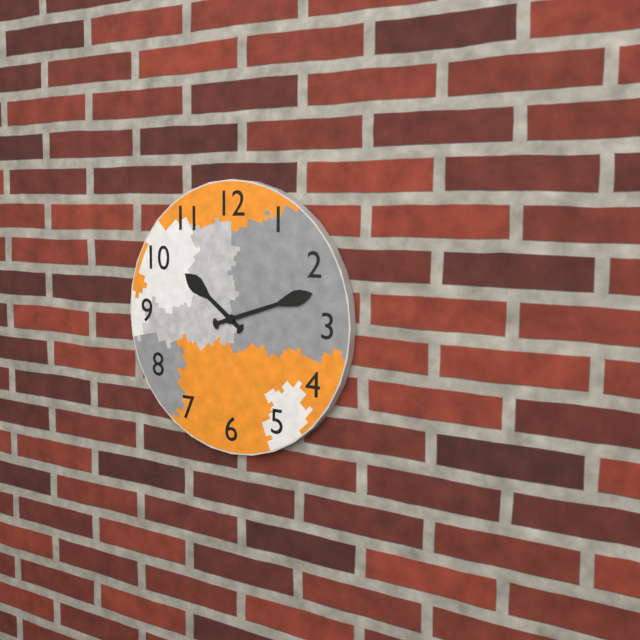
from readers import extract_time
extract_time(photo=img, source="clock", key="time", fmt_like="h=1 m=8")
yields h=10 m=12
